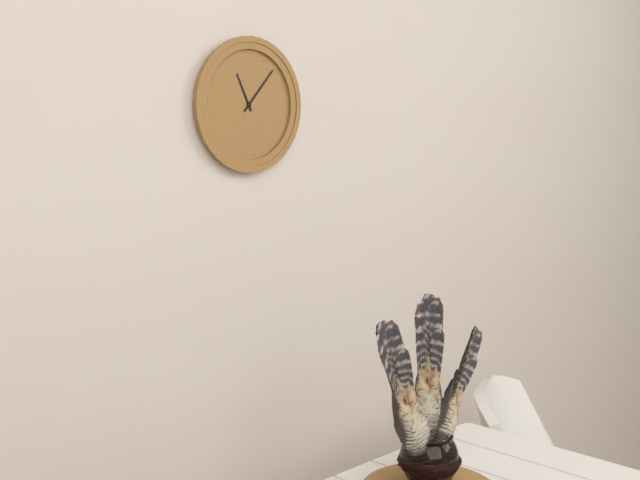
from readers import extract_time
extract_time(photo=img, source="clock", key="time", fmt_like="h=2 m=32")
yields h=11 m=7
